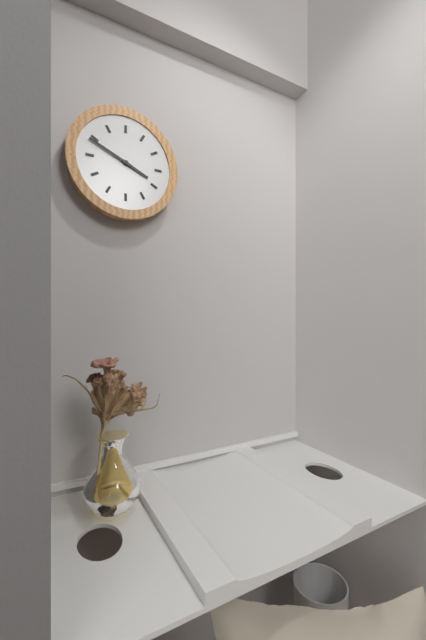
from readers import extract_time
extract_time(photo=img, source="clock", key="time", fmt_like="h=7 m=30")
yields h=3 m=49
